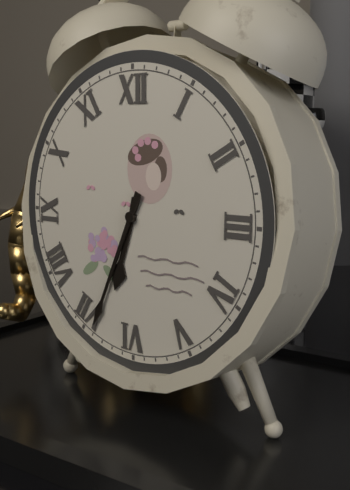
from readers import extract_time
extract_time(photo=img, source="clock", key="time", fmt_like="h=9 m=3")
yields h=6 m=34
